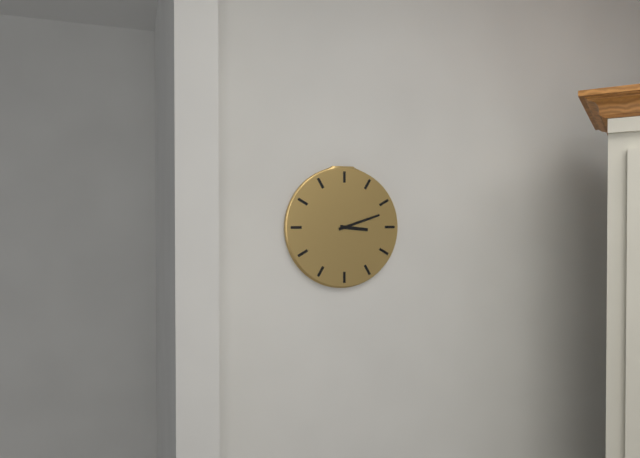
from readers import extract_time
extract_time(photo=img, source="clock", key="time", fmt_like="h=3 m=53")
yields h=3 m=12
